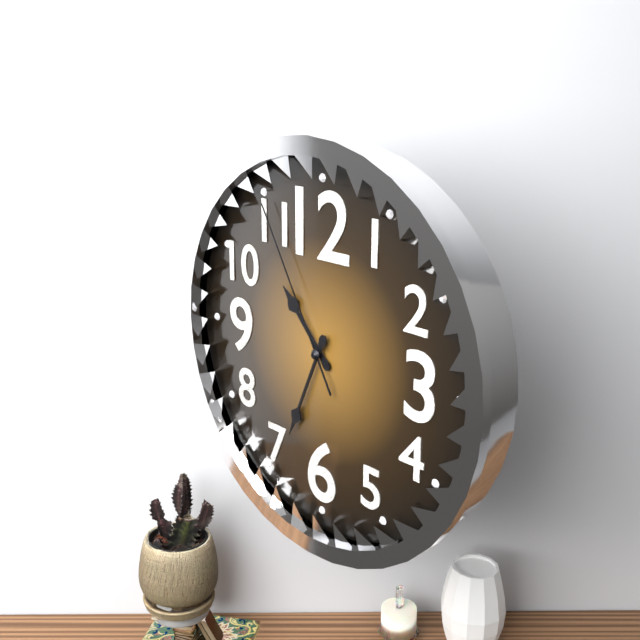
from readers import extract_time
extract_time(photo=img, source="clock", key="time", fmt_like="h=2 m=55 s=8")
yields h=10 m=34 s=55
